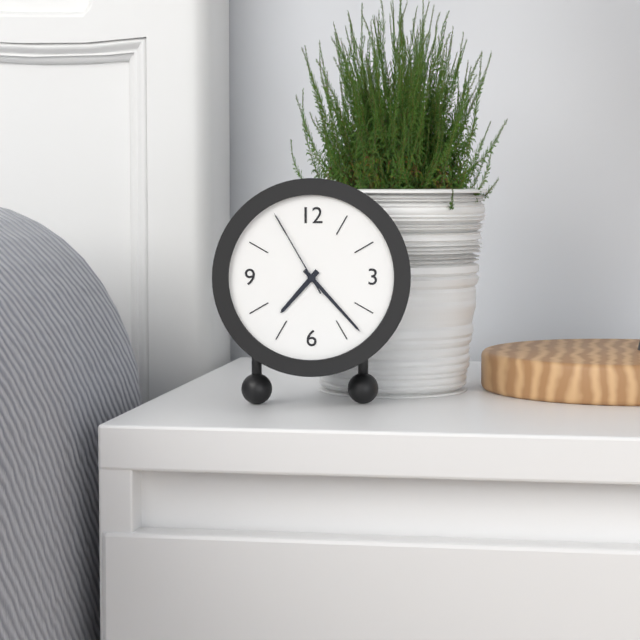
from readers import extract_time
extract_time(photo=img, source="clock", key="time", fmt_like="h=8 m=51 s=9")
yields h=7 m=23 s=55
